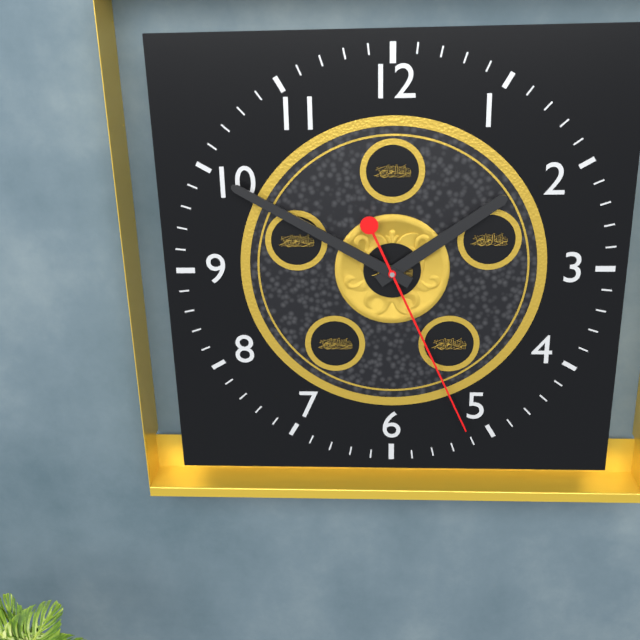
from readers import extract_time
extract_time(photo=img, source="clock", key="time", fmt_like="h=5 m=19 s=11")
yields h=1 m=50 s=26
